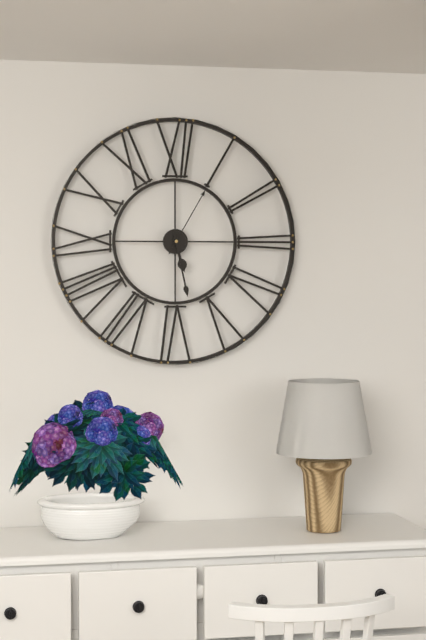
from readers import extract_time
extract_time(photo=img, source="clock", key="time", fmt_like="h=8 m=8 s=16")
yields h=5 m=28 s=5
